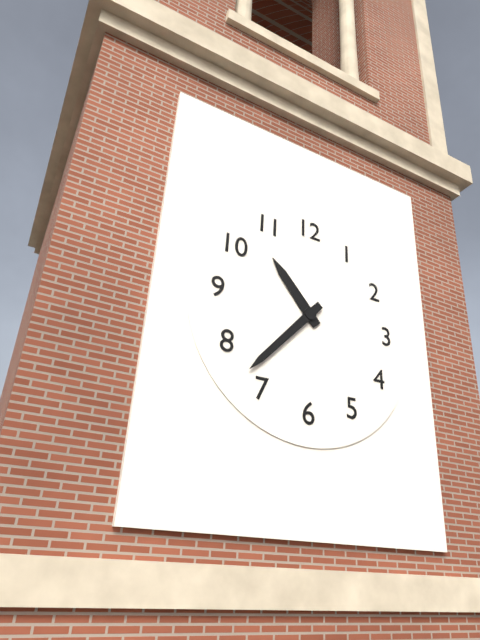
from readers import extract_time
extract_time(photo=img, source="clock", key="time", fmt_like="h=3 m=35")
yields h=10 m=37
